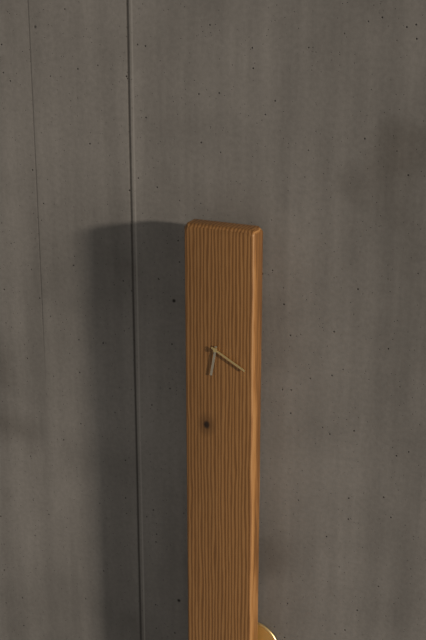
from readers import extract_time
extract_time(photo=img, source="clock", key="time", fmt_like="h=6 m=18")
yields h=6 m=20
